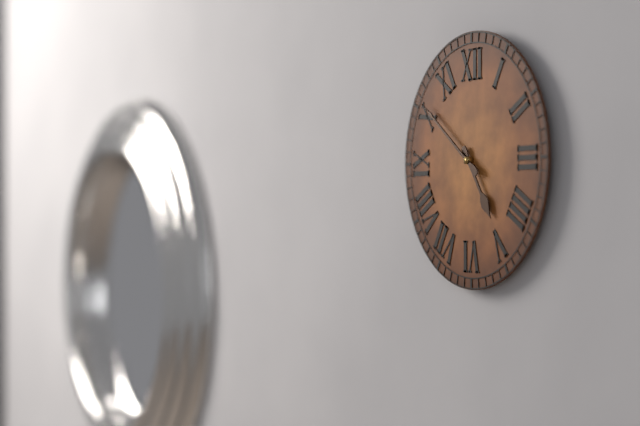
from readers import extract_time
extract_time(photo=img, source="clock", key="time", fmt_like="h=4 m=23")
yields h=4 m=51
